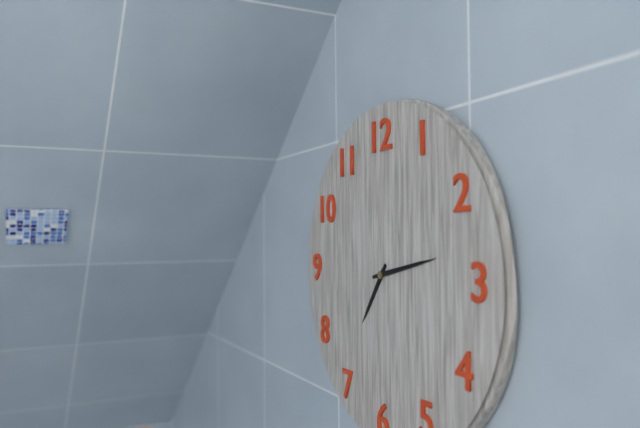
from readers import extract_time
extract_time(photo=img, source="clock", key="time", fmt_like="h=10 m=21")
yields h=7 m=13
